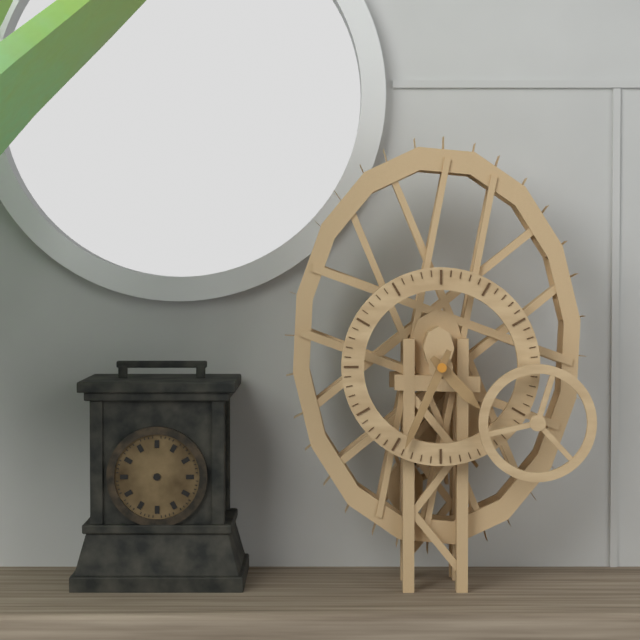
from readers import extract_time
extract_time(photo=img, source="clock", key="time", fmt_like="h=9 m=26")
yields h=4 m=34
